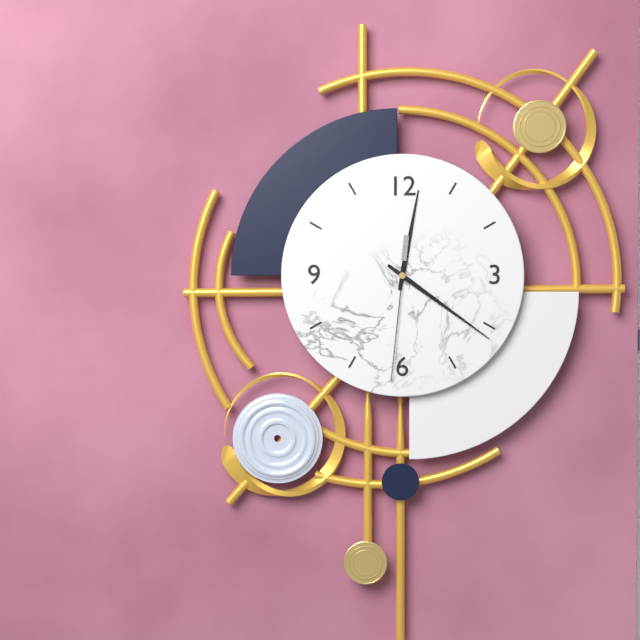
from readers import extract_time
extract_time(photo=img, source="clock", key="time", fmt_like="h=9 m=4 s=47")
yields h=12 m=21 s=31
